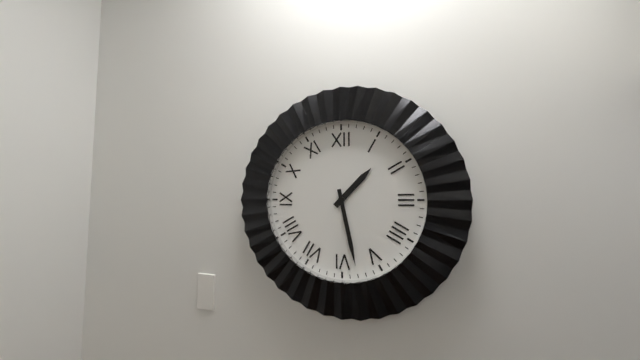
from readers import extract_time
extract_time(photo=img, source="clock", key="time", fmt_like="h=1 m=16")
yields h=1 m=28
